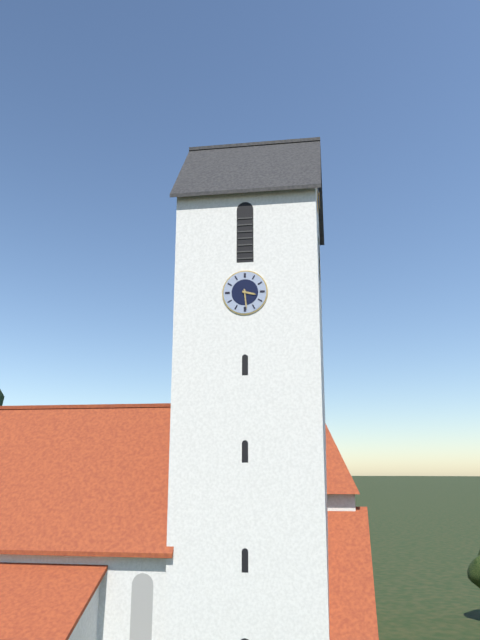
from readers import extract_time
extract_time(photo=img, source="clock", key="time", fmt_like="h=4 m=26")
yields h=3 m=29
